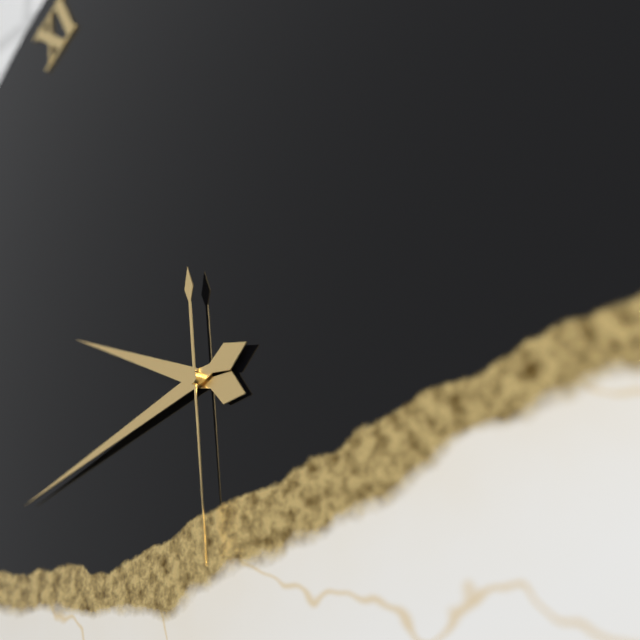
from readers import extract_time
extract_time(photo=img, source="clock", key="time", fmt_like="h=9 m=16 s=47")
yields h=9 m=42 s=29
